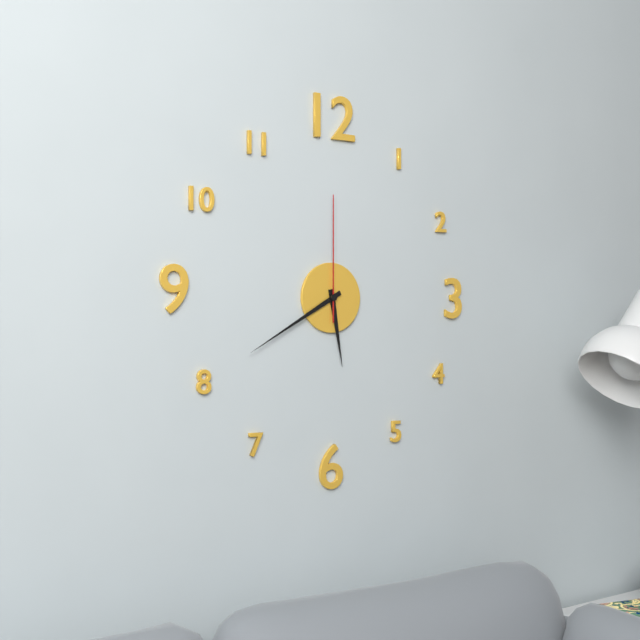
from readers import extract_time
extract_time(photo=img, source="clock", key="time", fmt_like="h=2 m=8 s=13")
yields h=5 m=40 s=0
